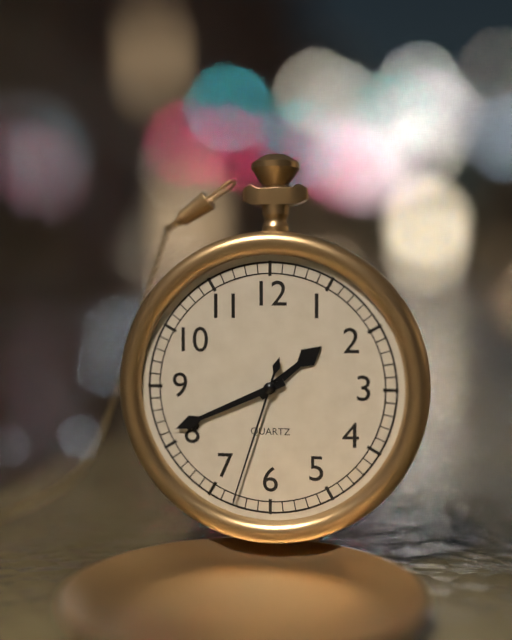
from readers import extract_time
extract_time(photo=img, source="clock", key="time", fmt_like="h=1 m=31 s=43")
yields h=1 m=41 s=33
